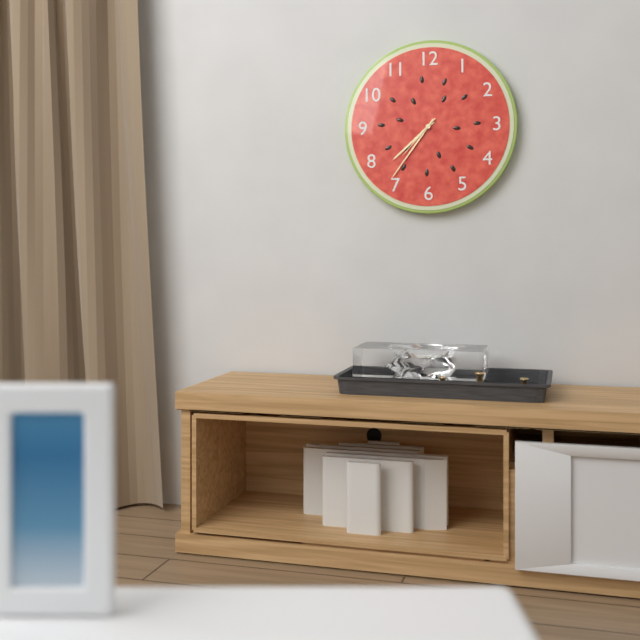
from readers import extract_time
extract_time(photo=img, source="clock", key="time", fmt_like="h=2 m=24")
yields h=7 m=36
